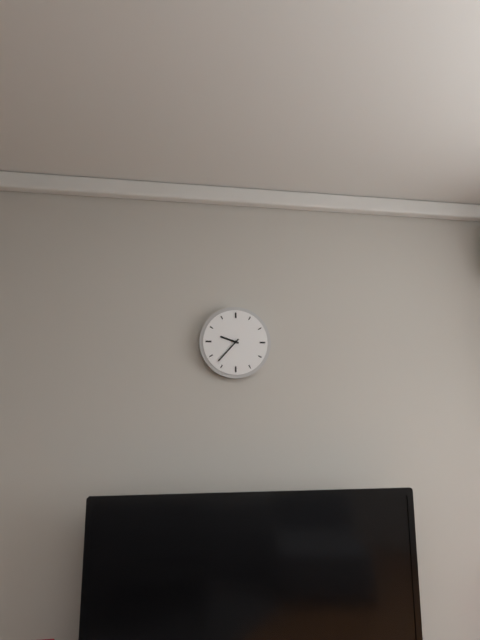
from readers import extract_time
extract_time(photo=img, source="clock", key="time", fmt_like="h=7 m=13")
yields h=9 m=37
